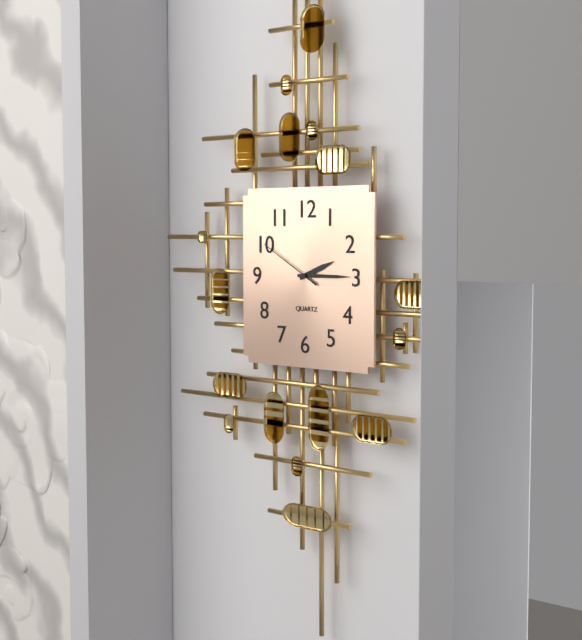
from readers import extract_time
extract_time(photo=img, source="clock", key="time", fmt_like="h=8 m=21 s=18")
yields h=2 m=15 s=50
